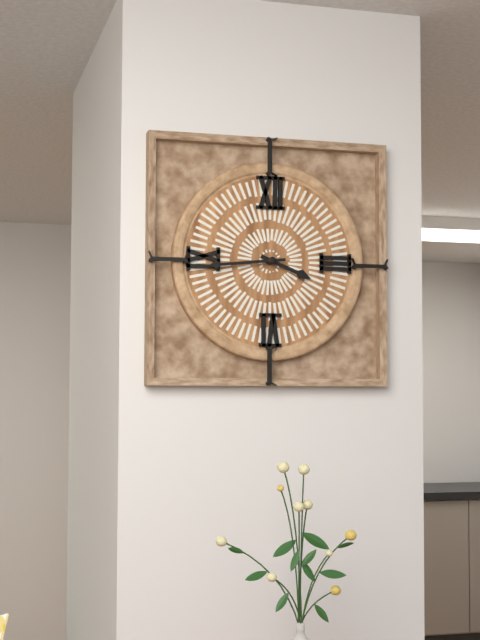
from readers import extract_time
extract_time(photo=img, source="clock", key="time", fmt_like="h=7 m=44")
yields h=3 m=44
